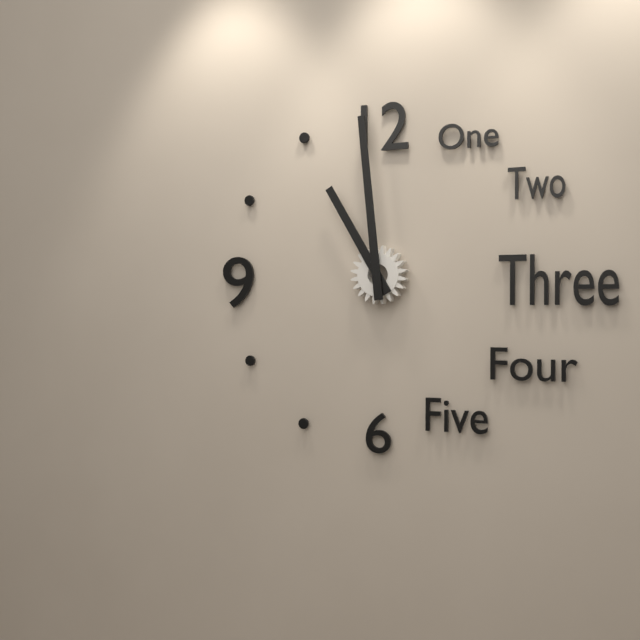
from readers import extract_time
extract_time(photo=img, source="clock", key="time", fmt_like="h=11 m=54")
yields h=10 m=59
